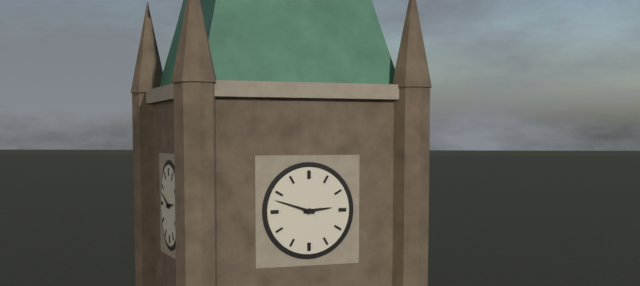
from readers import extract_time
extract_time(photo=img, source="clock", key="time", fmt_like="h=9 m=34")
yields h=2 m=48
